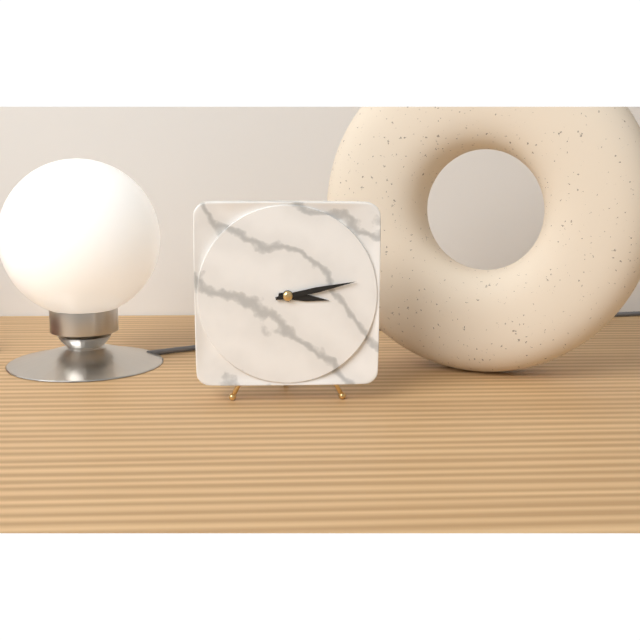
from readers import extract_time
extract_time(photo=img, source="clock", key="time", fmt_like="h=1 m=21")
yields h=3 m=13
